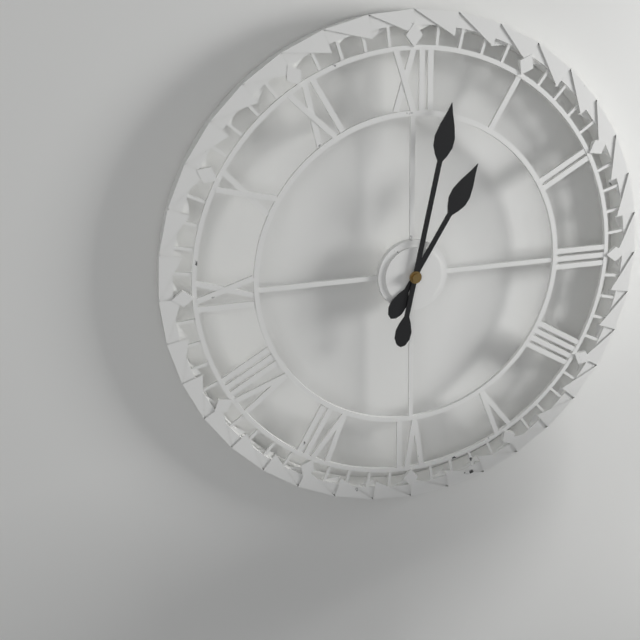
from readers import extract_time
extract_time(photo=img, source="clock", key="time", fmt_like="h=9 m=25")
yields h=1 m=2
